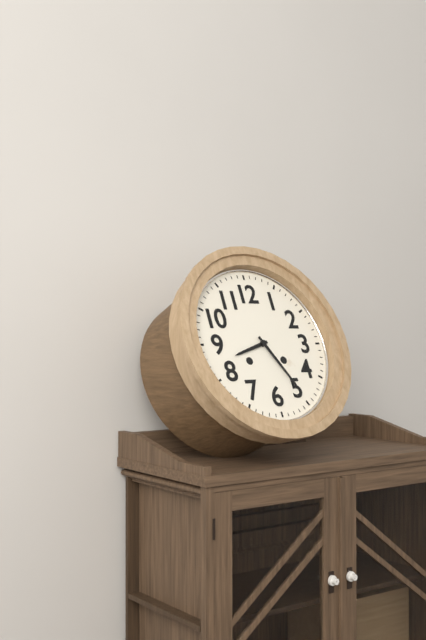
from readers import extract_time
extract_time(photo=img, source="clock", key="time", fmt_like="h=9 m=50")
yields h=8 m=25
